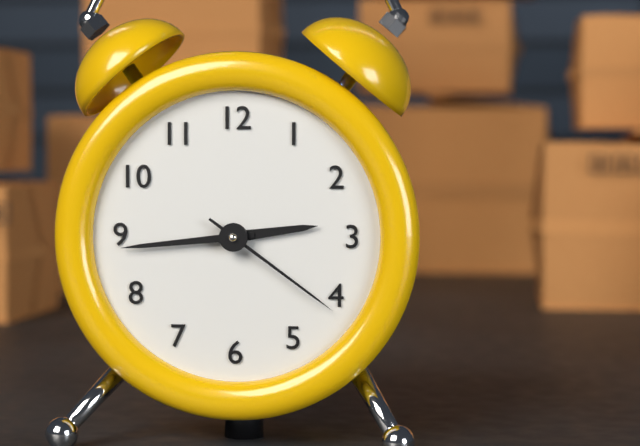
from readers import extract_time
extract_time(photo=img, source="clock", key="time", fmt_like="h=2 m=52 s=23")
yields h=2 m=44 s=21
